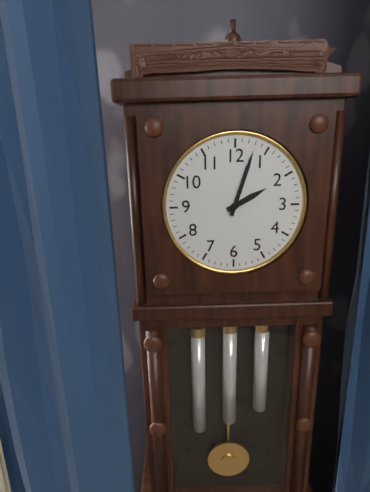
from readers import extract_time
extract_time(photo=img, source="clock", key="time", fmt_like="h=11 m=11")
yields h=2 m=3
